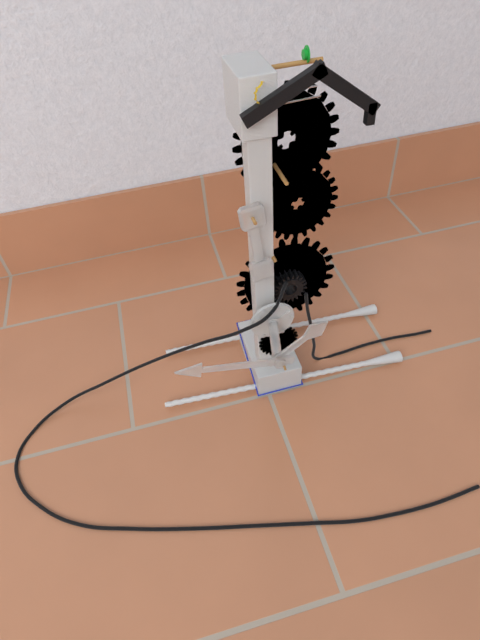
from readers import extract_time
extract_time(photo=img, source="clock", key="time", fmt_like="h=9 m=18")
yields h=1 m=47
